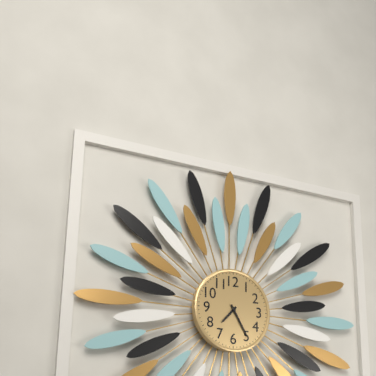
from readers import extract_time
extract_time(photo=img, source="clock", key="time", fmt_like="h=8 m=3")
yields h=7 m=25
